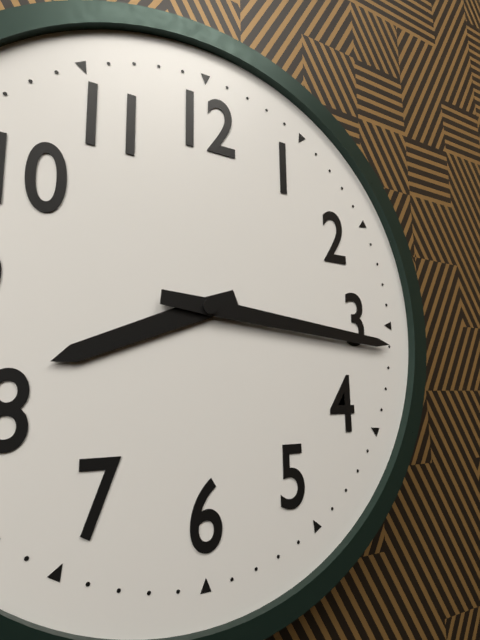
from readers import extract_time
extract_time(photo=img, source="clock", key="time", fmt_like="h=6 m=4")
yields h=8 m=16
